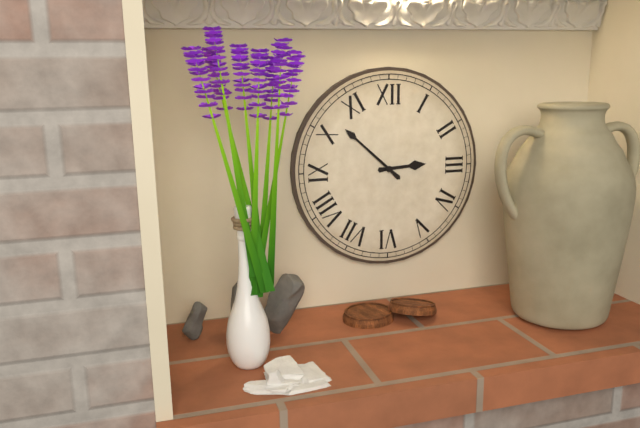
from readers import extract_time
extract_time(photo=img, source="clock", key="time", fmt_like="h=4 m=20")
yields h=2 m=52
